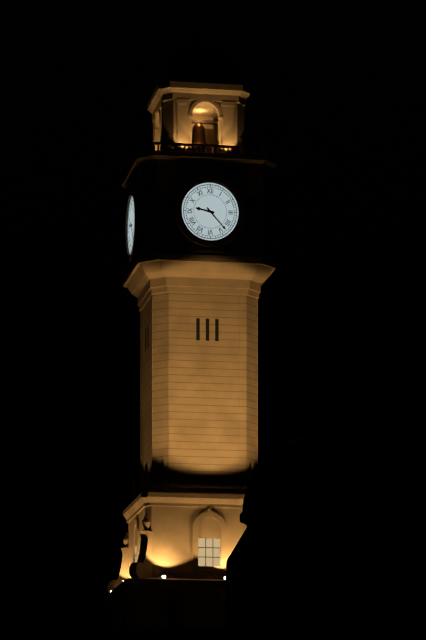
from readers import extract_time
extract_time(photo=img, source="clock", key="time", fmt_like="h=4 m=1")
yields h=9 m=23
